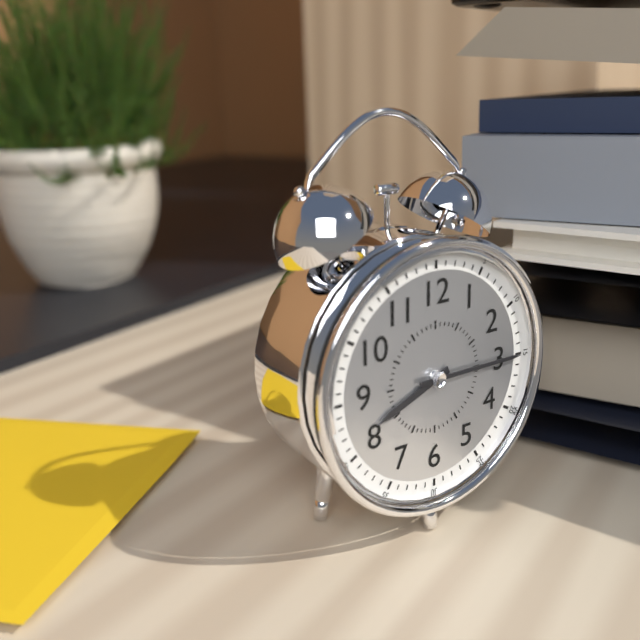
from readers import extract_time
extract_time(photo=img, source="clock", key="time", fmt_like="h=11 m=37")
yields h=8 m=15
